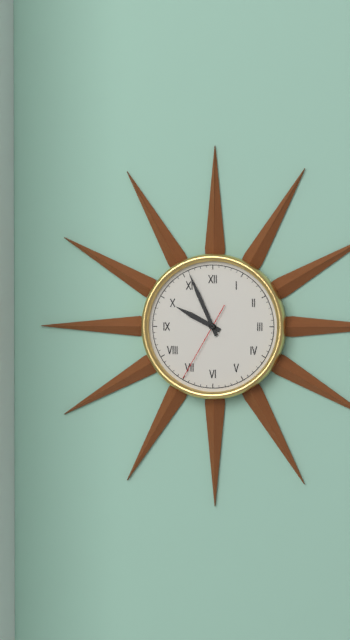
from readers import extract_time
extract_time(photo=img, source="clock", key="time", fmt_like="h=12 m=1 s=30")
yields h=9 m=56 s=35
